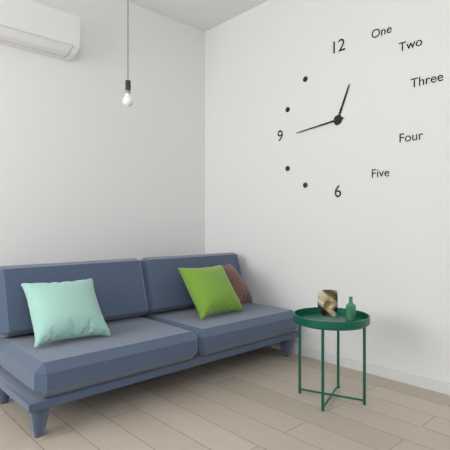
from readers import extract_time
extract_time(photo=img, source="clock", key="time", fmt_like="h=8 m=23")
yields h=12 m=44
